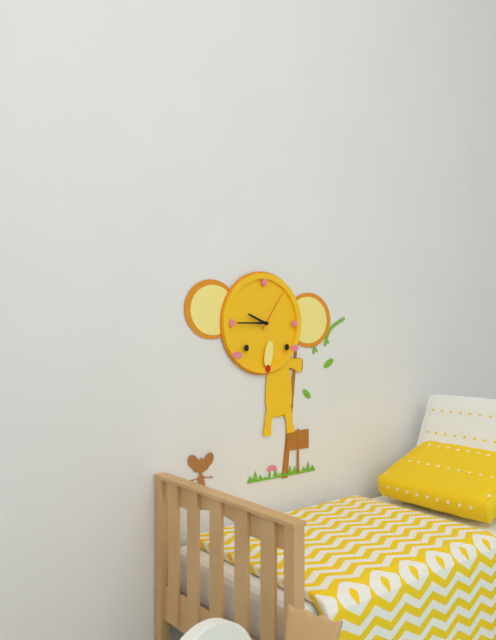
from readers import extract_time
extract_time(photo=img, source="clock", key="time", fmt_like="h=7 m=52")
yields h=9 m=45
